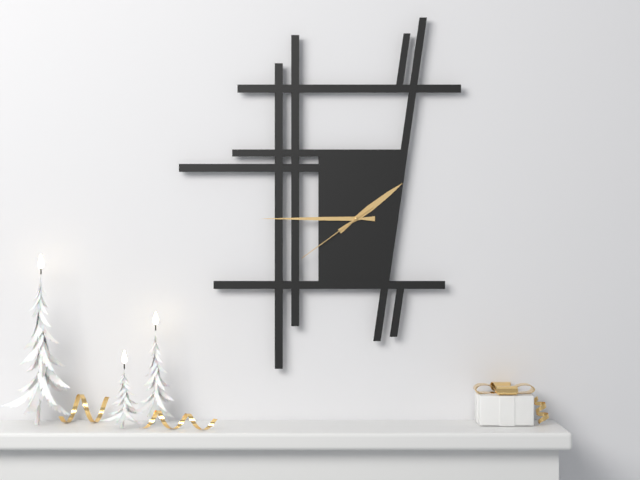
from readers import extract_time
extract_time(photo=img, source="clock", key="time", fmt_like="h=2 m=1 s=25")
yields h=1 m=45 s=39
